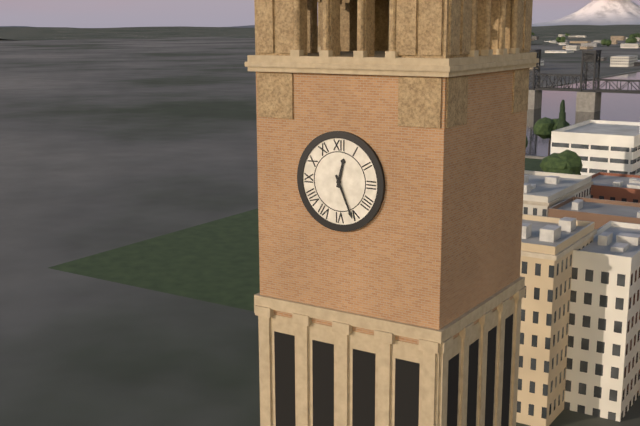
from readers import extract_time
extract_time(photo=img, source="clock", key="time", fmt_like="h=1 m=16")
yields h=12 m=26
